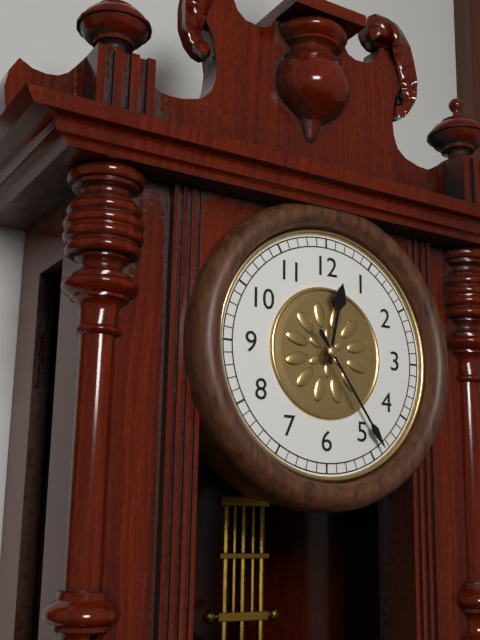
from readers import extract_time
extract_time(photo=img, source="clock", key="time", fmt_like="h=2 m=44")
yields h=12 m=24
